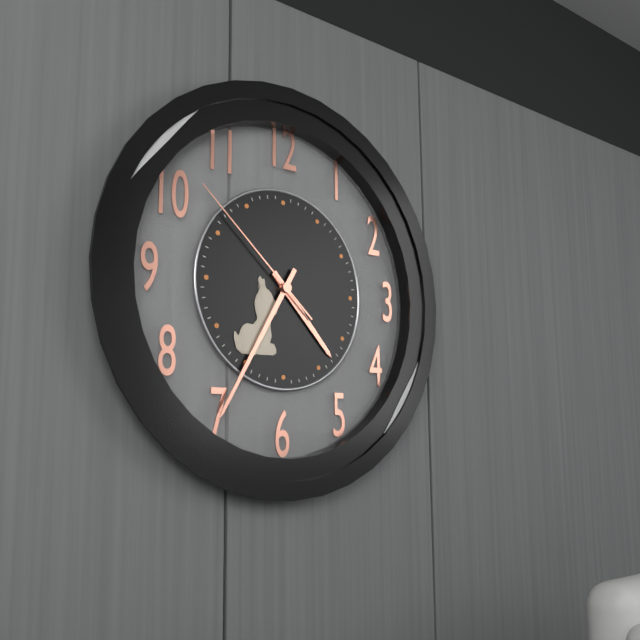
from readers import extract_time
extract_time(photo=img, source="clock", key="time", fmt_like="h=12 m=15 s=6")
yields h=4 m=35 s=52
